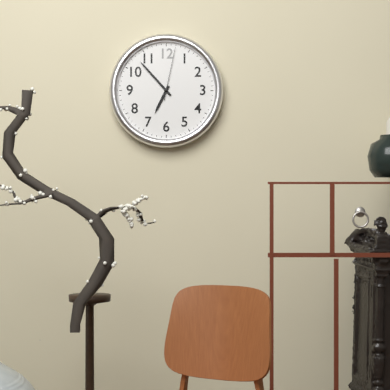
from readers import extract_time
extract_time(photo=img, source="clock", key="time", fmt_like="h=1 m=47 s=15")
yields h=6 m=53 s=2
